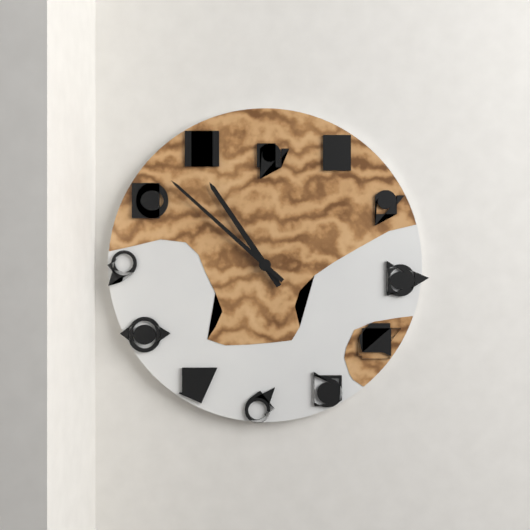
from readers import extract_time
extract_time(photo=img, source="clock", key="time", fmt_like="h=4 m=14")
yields h=10 m=52
